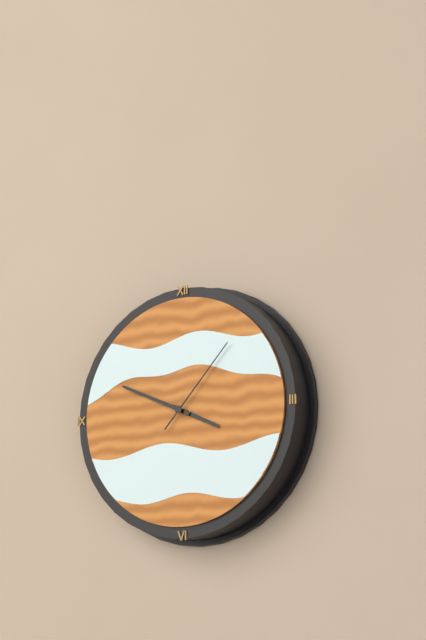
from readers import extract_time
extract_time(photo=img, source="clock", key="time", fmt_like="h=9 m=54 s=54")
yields h=3 m=49 s=7
